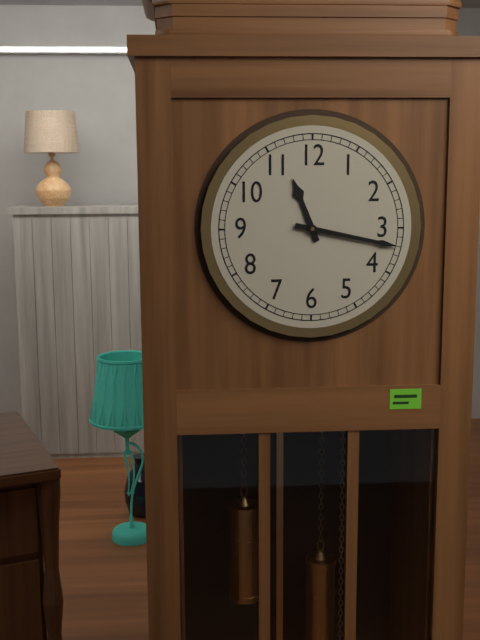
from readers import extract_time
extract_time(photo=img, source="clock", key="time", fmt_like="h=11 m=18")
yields h=11 m=17
